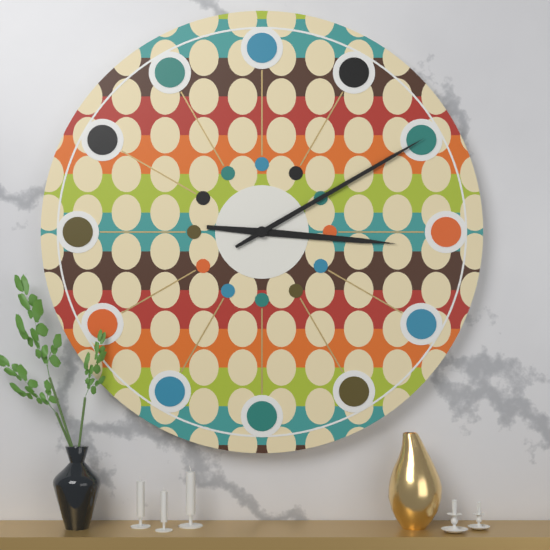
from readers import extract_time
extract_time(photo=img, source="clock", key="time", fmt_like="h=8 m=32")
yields h=3 m=10
